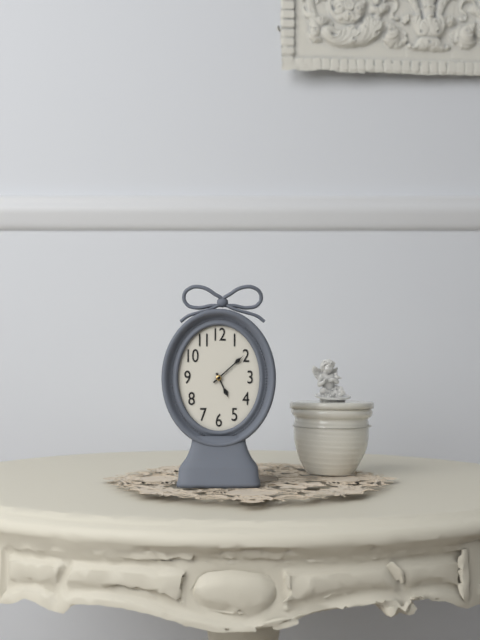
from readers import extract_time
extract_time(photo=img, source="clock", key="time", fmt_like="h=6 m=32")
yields h=5 m=8
